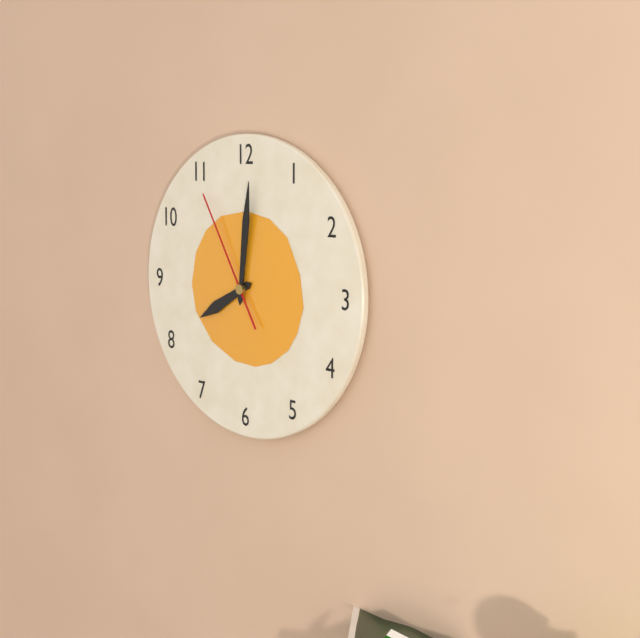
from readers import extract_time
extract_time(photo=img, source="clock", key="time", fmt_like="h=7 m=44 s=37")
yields h=8 m=1 s=55
